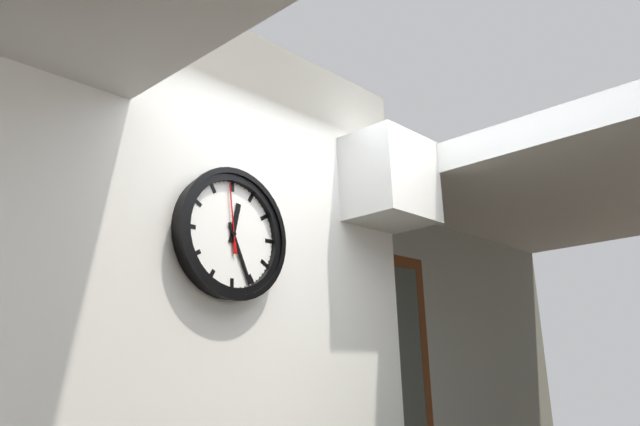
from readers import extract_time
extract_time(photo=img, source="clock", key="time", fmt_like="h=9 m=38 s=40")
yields h=12 m=26 s=59
